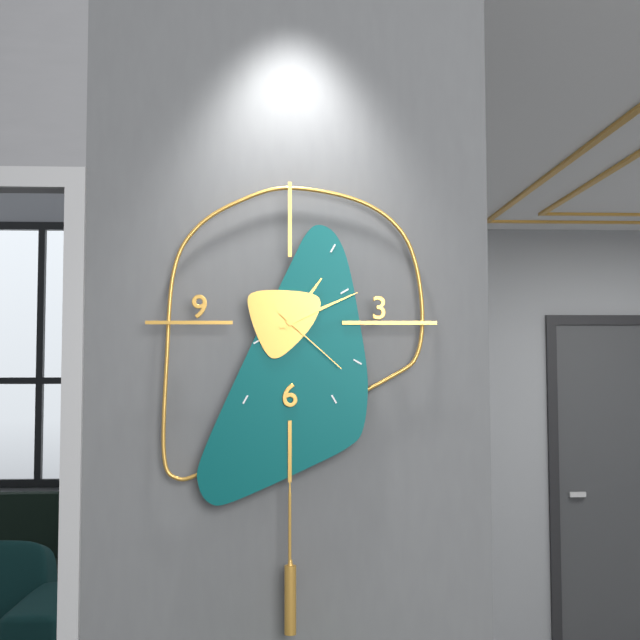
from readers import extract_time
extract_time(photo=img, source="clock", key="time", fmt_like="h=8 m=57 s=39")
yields h=1 m=11 s=22
